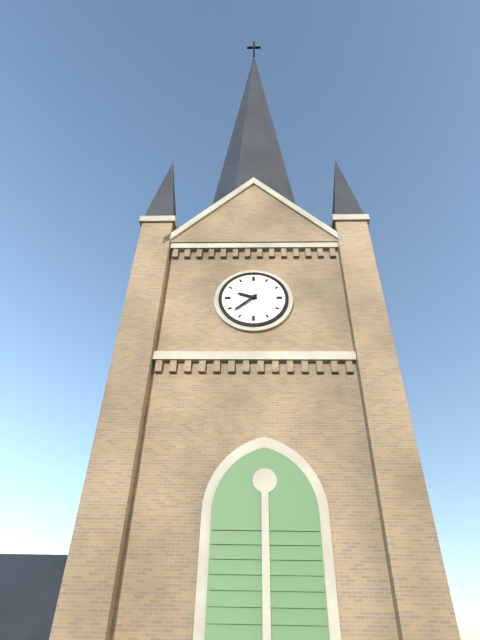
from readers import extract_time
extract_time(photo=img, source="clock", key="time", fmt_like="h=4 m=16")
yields h=9 m=38
